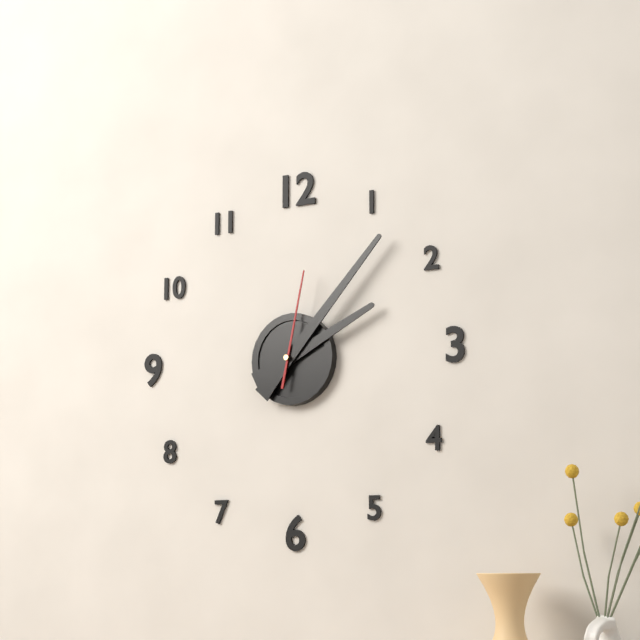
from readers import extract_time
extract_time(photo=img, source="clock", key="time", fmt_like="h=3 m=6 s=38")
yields h=2 m=7 s=2
